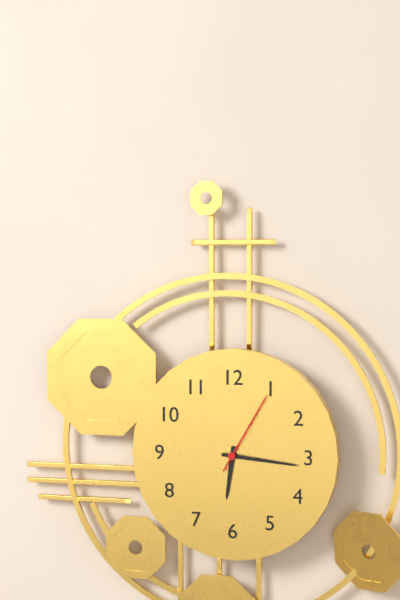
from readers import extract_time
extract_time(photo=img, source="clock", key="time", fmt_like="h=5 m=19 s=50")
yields h=6 m=16 s=5
